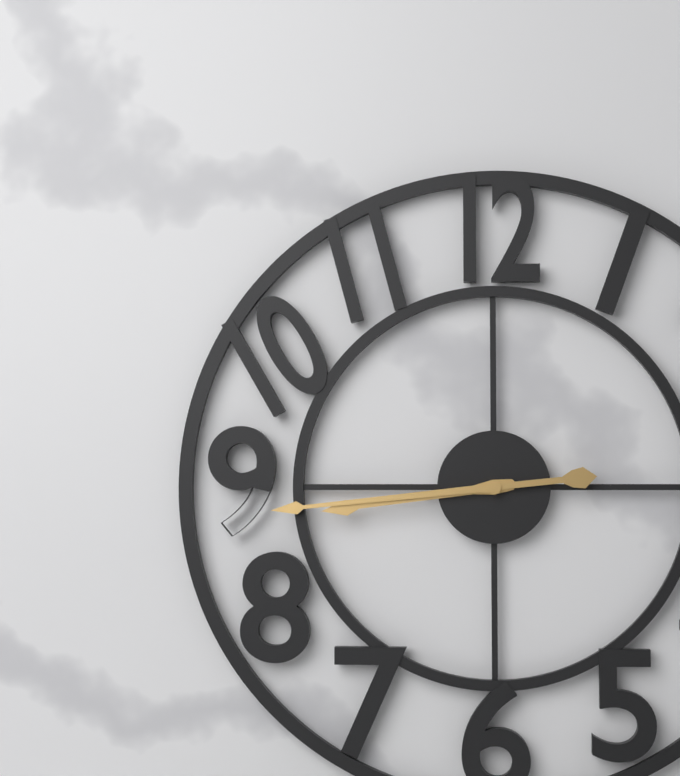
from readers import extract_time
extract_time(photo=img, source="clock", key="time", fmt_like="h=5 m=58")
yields h=8 m=44
